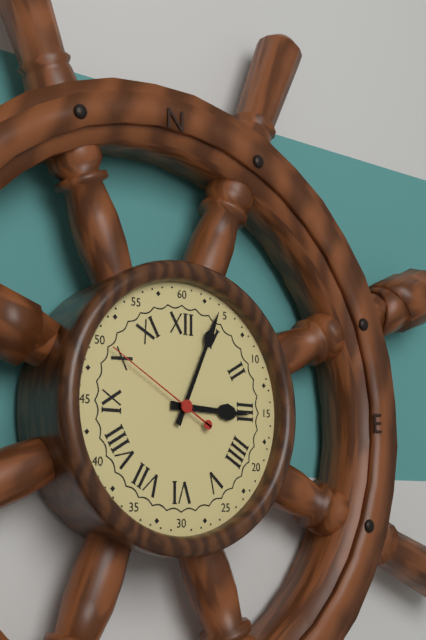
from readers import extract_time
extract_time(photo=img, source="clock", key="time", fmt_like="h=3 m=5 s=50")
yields h=3 m=4 s=50
